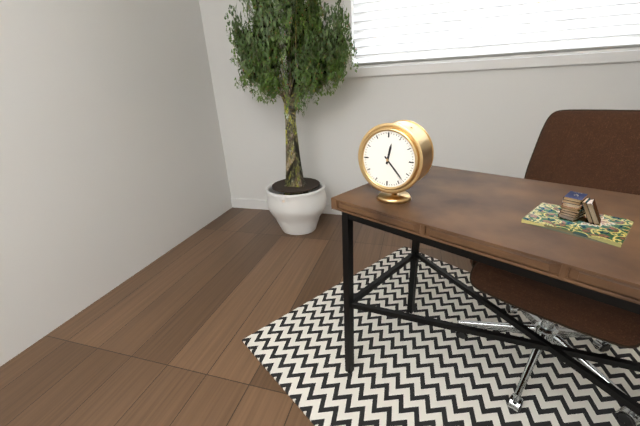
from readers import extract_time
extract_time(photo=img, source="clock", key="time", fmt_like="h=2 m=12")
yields h=12 m=23
